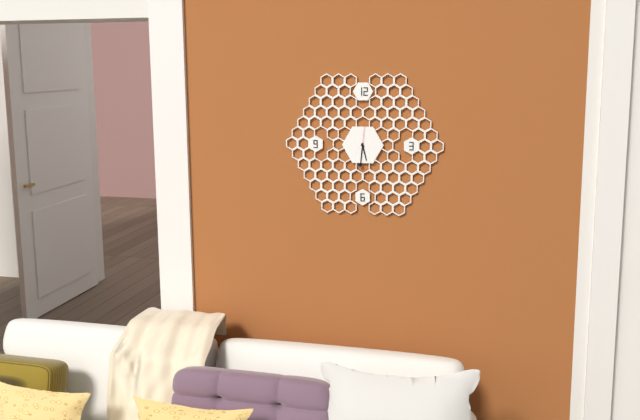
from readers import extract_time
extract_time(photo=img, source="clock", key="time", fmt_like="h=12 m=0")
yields h=5 m=31
